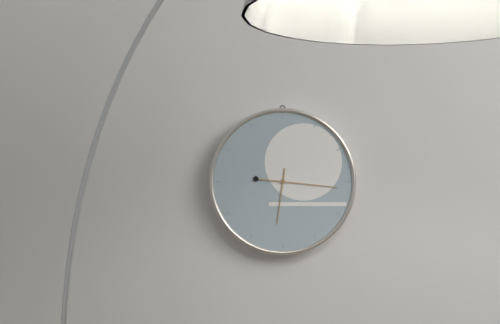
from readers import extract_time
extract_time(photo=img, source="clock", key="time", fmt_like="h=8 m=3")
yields h=6 m=16
